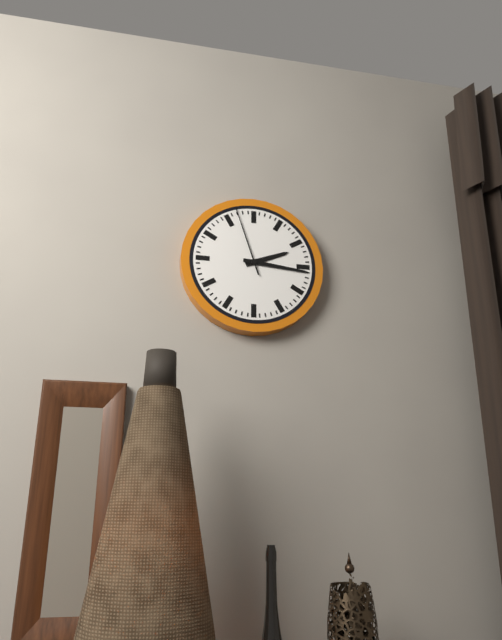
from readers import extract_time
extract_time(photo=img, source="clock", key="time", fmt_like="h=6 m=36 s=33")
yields h=2 m=16 s=57
